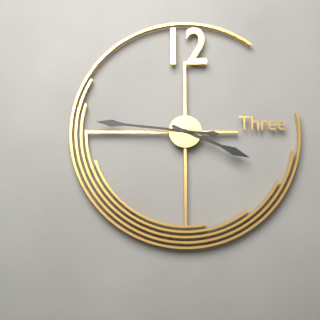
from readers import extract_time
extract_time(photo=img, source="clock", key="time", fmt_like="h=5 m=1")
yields h=3 m=46
